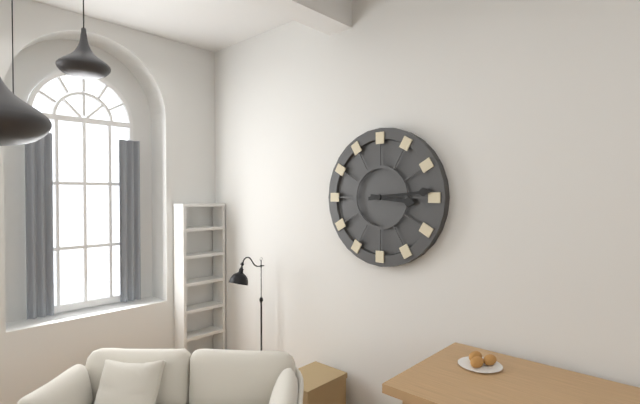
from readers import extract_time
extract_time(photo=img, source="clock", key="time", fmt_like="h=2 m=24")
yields h=3 m=14
